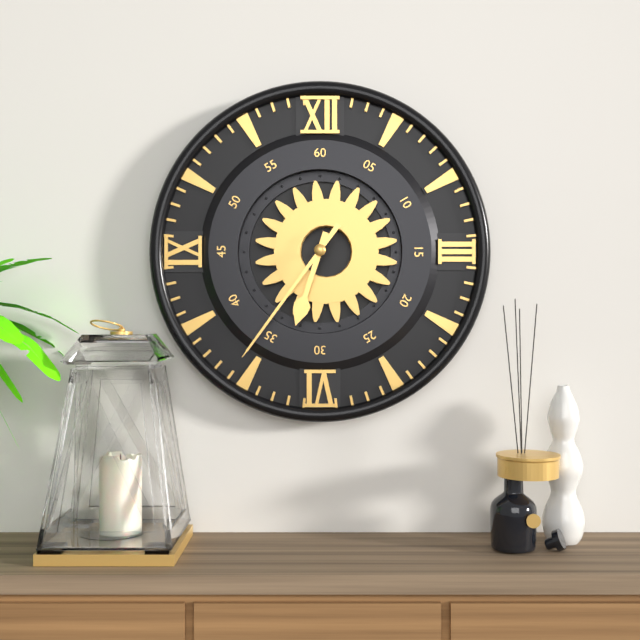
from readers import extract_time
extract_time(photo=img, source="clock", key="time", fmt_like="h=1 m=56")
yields h=6 m=36
